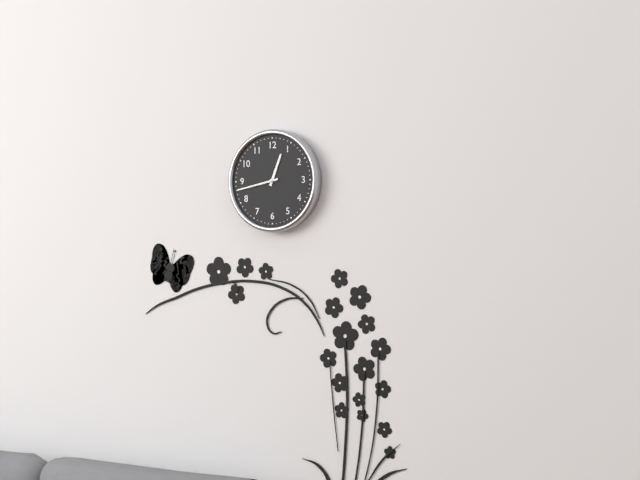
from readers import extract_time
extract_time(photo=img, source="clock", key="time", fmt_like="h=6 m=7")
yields h=12 m=43
